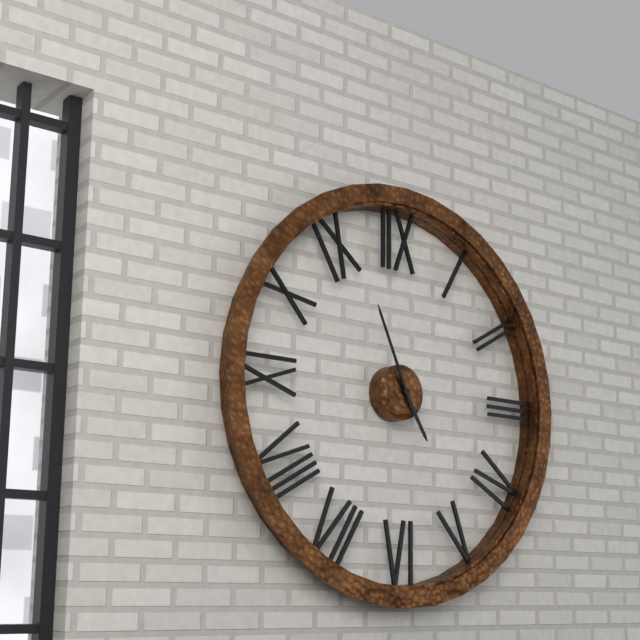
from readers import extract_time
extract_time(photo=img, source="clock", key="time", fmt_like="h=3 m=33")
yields h=4 m=56
